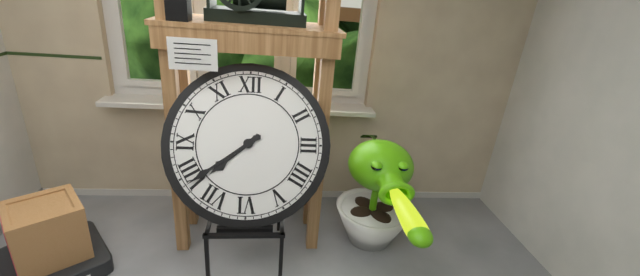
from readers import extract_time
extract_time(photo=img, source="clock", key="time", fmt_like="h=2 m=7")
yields h=7 m=39
